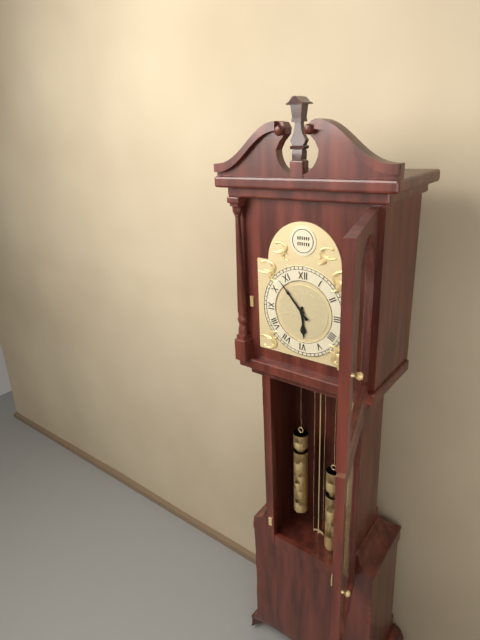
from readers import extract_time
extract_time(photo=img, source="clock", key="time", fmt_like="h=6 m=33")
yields h=5 m=53
